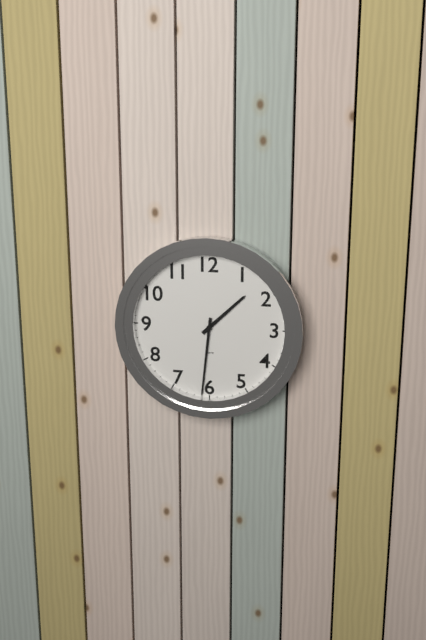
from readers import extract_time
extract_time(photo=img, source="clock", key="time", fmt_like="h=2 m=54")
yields h=1 m=31
